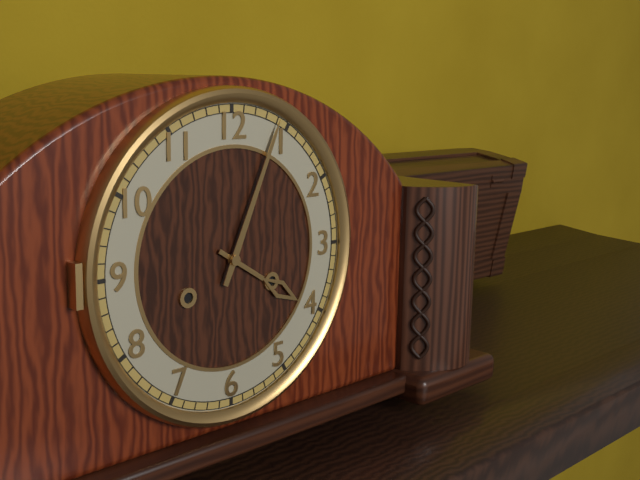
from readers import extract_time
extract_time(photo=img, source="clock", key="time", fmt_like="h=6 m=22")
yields h=4 m=4
